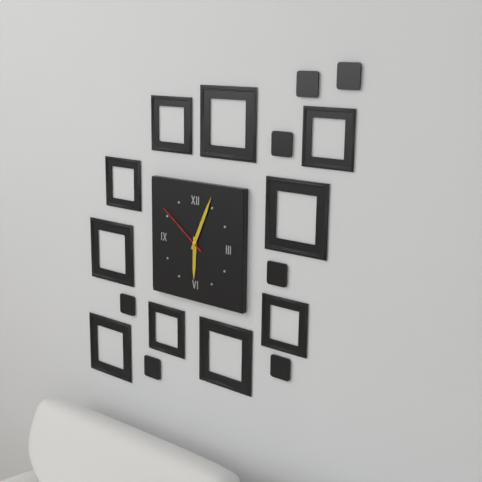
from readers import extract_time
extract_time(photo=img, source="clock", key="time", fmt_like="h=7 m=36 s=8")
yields h=6 m=4 s=51
